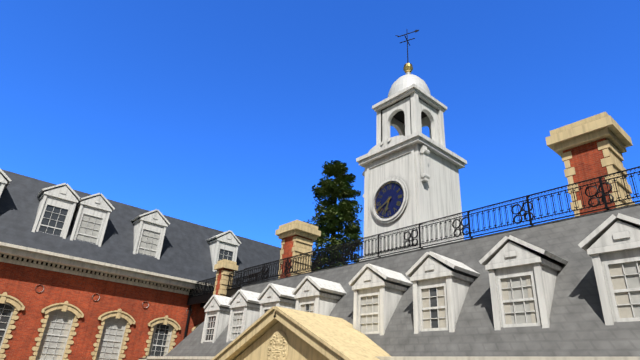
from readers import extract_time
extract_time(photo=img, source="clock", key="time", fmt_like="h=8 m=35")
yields h=6 m=40
